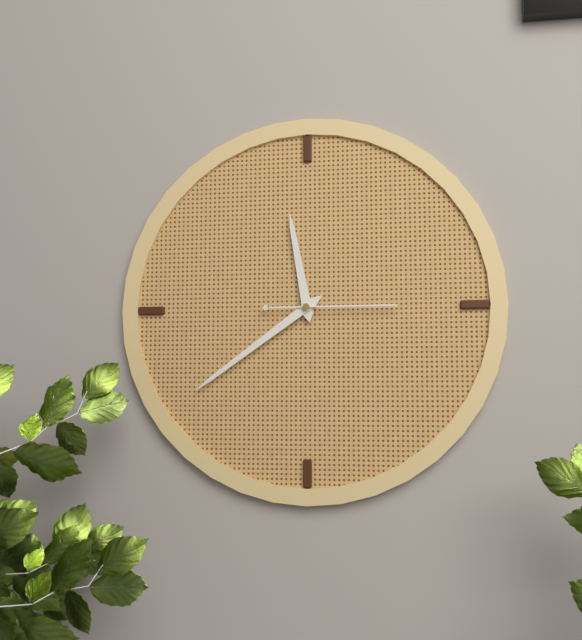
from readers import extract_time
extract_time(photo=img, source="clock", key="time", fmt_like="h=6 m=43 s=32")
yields h=11 m=39 s=15
